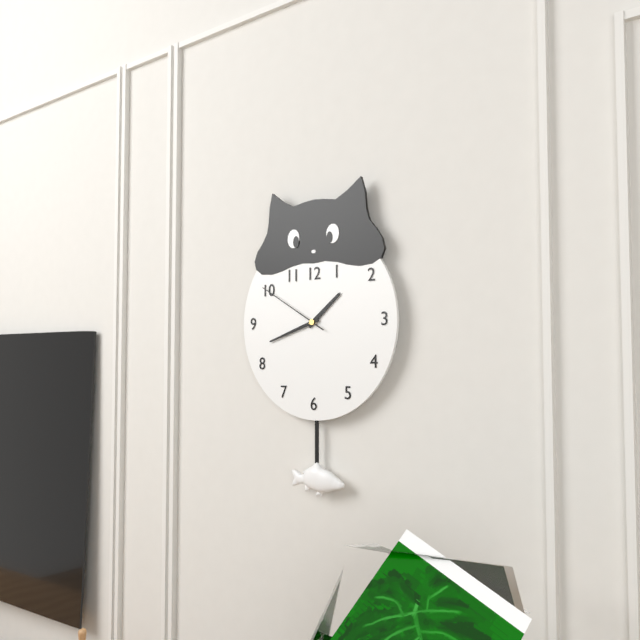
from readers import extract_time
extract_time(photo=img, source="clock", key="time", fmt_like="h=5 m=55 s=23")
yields h=1 m=42 s=50
